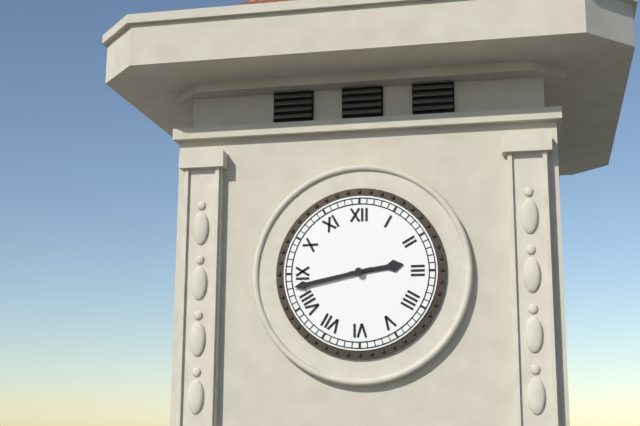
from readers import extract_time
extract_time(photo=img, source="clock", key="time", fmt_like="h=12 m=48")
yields h=2 m=43
